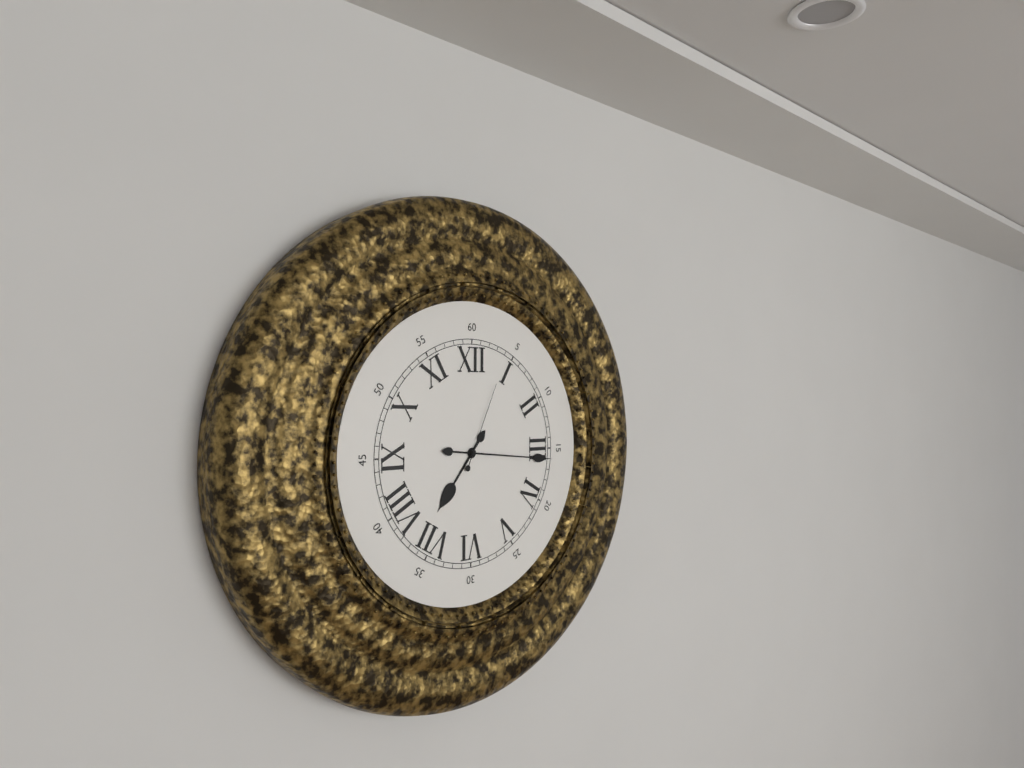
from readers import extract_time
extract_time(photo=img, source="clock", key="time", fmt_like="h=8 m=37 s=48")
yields h=7 m=16 s=4
